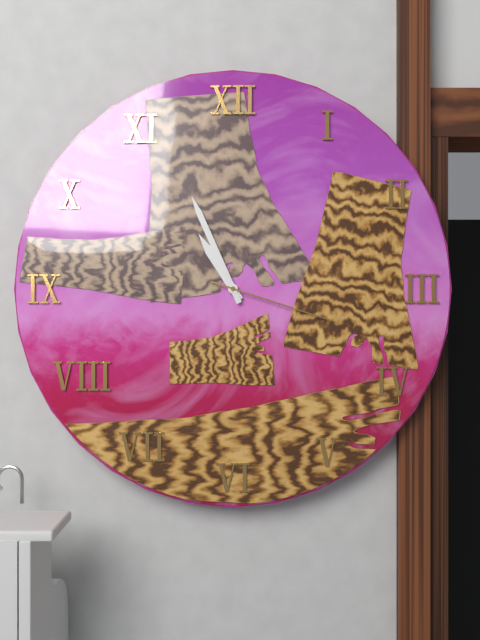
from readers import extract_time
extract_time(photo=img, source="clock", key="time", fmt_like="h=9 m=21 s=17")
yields h=10 m=56 s=18
